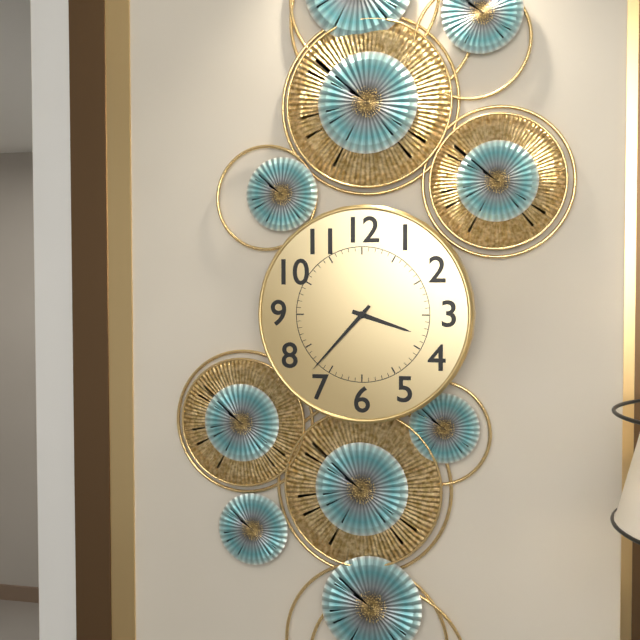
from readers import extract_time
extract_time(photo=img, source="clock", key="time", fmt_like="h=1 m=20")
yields h=3 m=37
